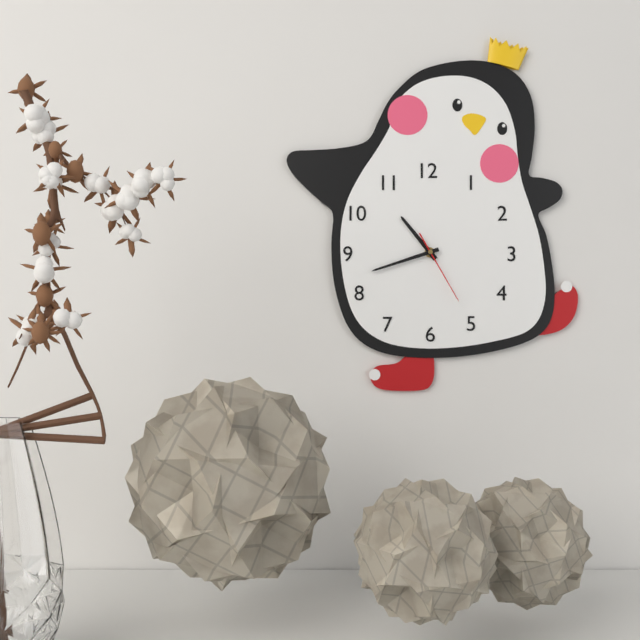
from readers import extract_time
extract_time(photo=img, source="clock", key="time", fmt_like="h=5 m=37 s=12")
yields h=10 m=42 s=25
